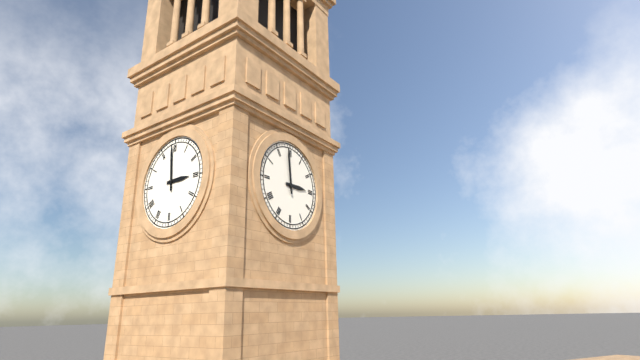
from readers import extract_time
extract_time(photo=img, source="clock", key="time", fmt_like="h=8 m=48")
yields h=2 m=59
